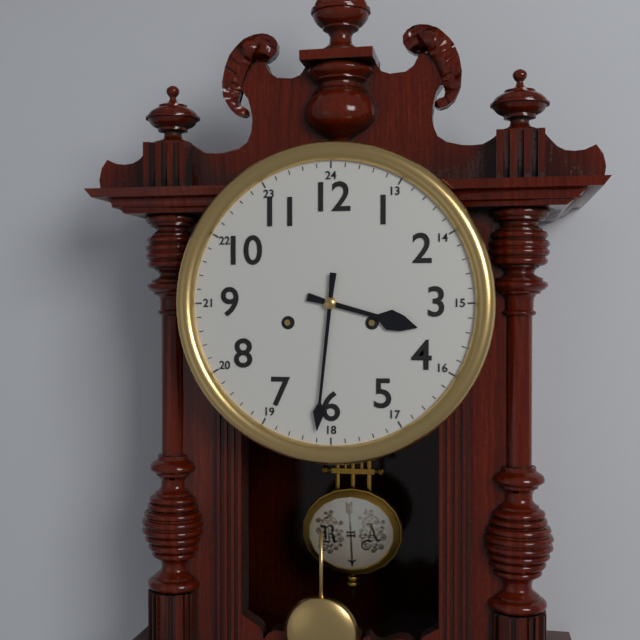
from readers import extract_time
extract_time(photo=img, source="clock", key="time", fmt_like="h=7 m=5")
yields h=3 m=31
